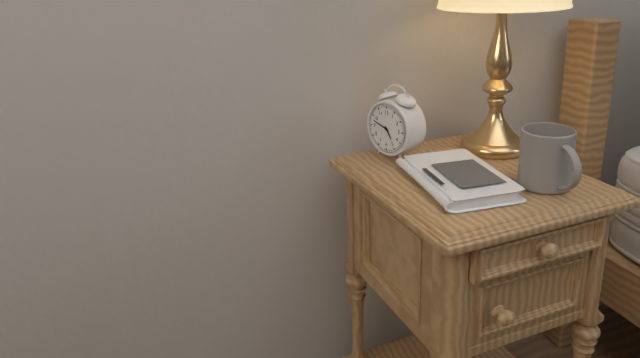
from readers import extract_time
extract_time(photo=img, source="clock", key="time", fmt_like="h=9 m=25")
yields h=4 m=48
